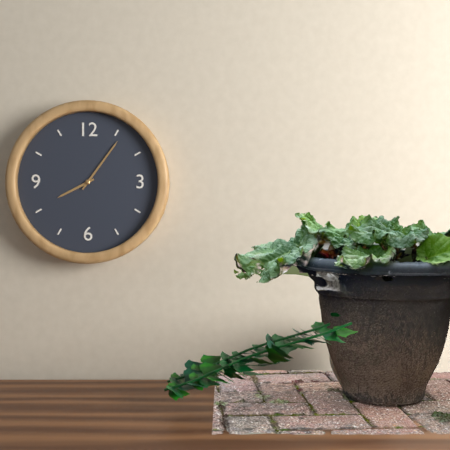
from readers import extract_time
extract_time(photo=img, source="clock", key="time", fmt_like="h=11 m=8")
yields h=8 m=6
